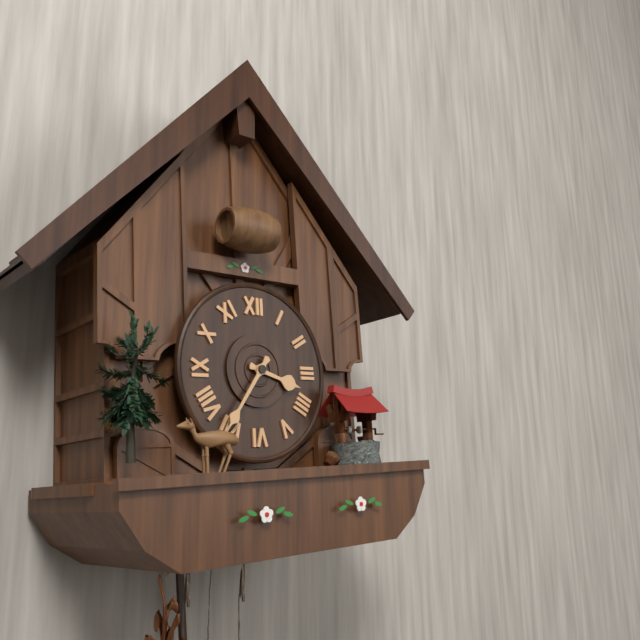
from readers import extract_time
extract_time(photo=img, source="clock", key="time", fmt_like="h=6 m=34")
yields h=3 m=36
